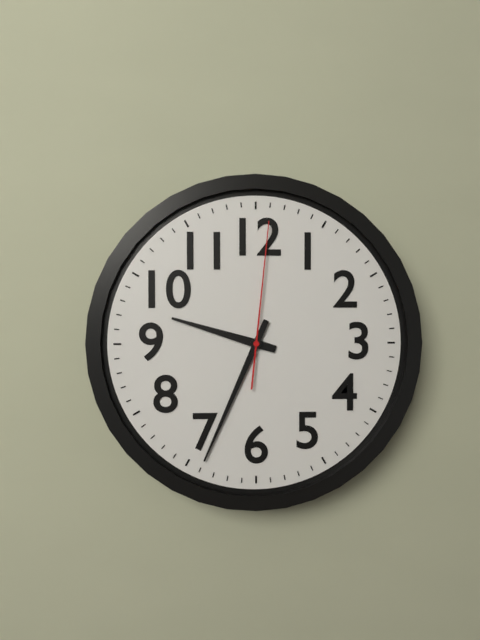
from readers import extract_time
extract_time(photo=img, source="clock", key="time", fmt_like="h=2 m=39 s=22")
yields h=9 m=34 s=1
